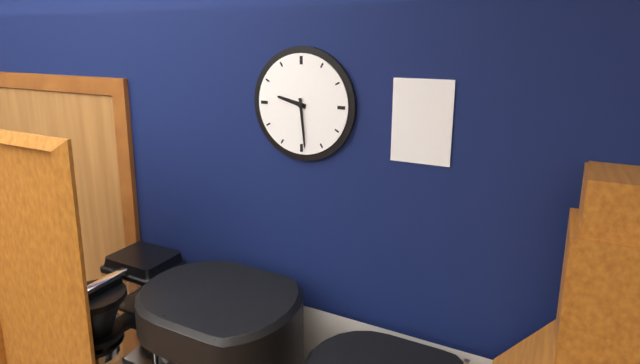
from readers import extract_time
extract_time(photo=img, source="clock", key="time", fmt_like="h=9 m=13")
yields h=9 m=29
